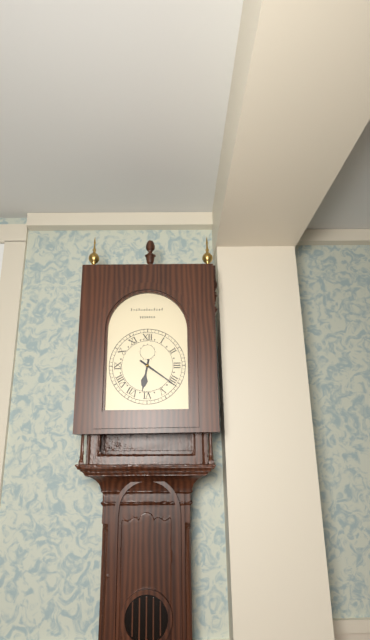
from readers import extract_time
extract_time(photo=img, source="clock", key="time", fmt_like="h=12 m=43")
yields h=6 m=21
